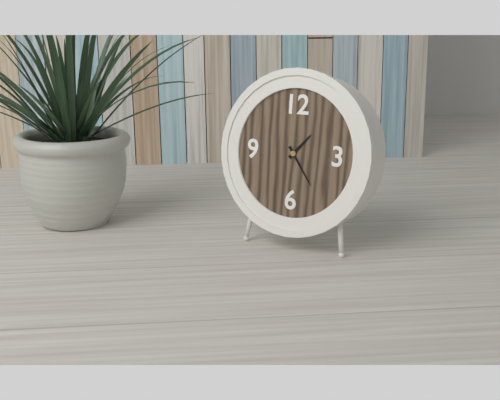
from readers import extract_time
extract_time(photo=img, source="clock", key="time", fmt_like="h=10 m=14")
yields h=1 m=24
